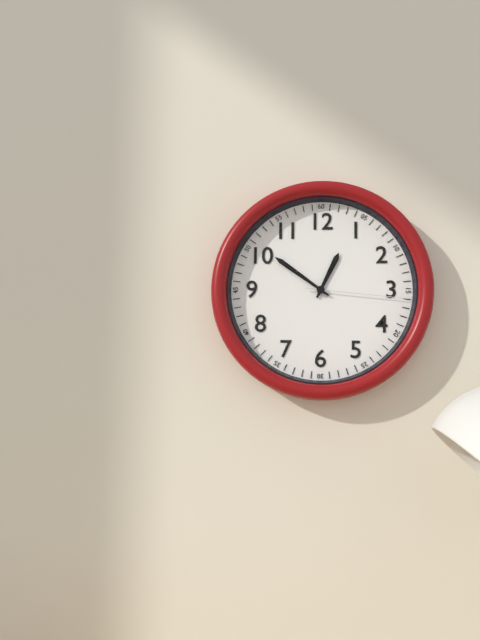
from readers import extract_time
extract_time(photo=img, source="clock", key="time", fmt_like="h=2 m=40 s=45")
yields h=12 m=51 s=16
